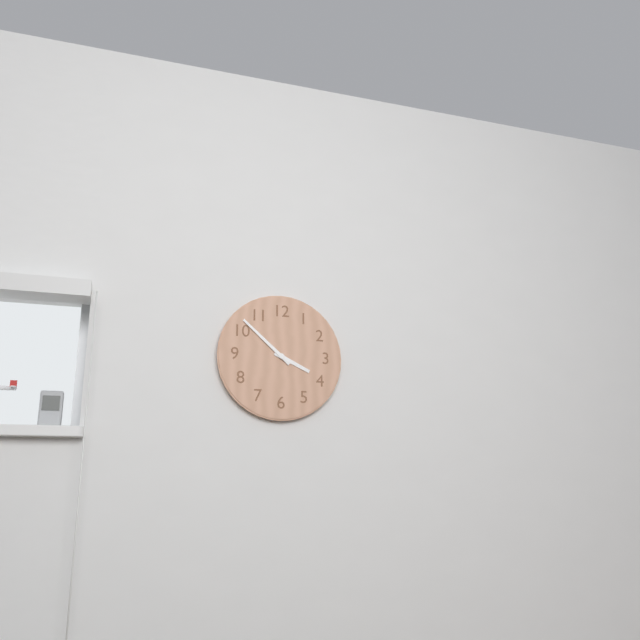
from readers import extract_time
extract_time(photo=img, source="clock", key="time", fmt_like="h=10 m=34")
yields h=3 m=52
